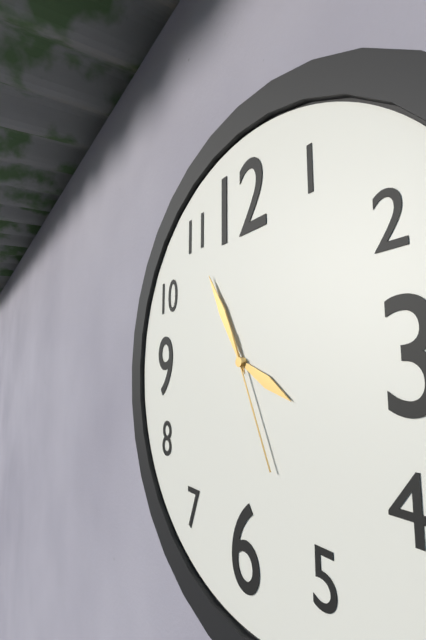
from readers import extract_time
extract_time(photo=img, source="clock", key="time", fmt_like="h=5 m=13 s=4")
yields h=3 m=55 s=26
